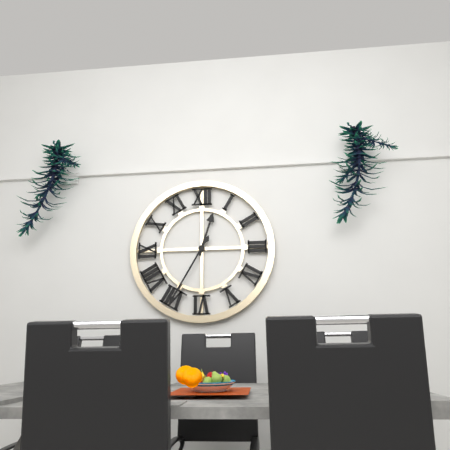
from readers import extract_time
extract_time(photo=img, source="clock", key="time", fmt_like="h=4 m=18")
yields h=12 m=35
